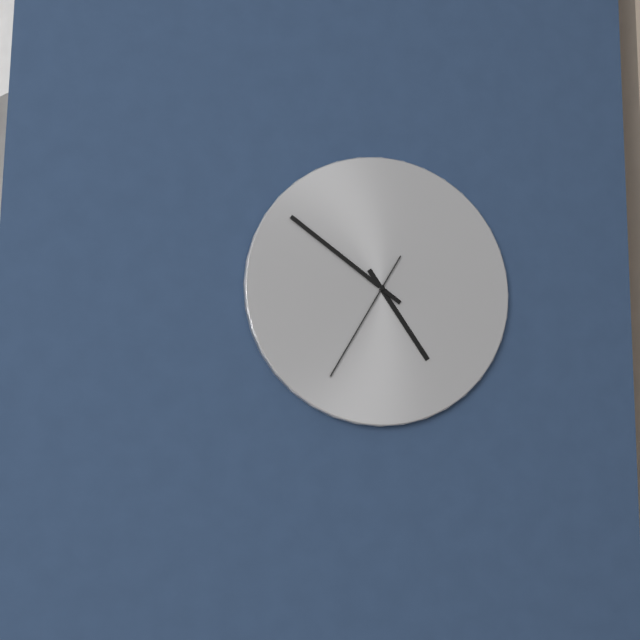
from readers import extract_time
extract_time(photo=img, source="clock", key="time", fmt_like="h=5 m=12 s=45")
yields h=4 m=51 s=35
